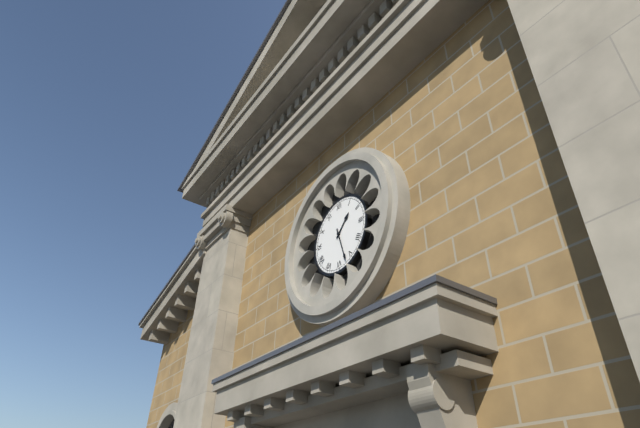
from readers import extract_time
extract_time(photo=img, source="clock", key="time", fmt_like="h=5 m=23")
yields h=1 m=27
